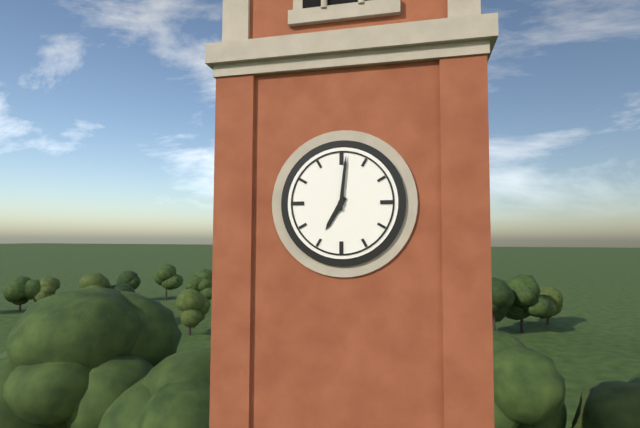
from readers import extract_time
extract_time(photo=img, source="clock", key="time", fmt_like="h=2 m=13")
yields h=7 m=1
